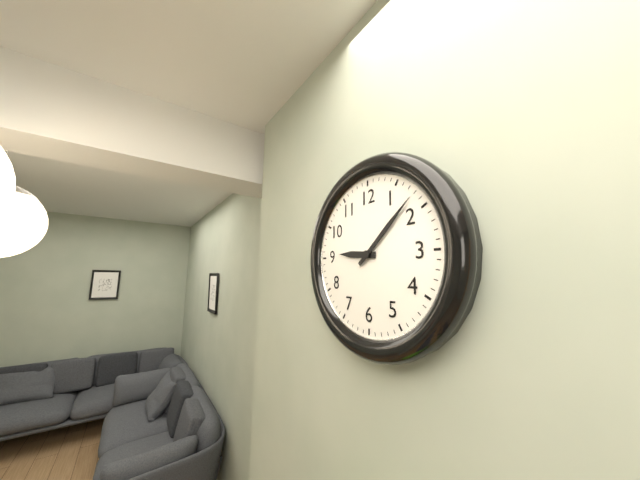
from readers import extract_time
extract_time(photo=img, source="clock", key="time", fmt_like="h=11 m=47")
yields h=9 m=8
